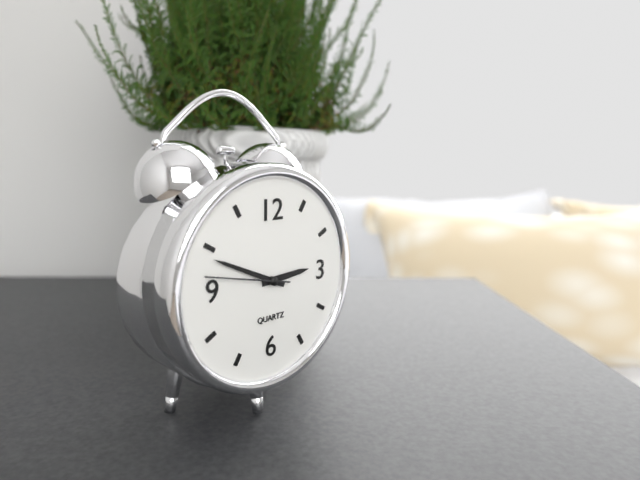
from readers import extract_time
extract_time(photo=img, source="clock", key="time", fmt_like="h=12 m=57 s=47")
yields h=2 m=49 s=47
